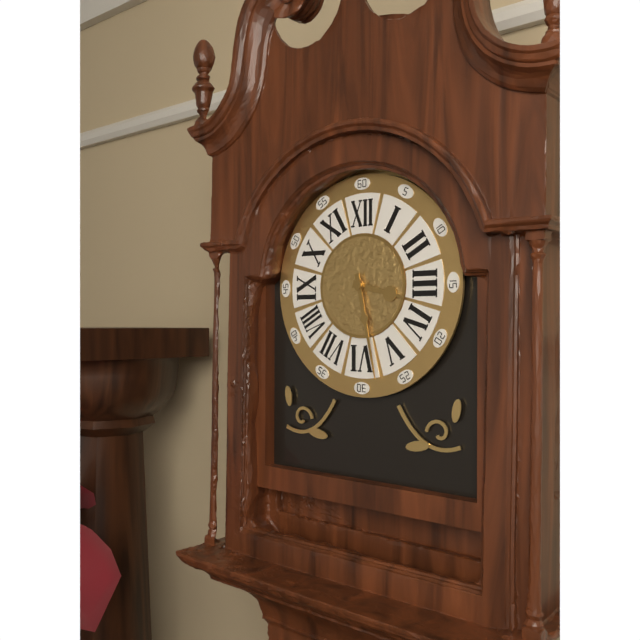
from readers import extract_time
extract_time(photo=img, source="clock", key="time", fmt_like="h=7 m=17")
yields h=3 m=28
